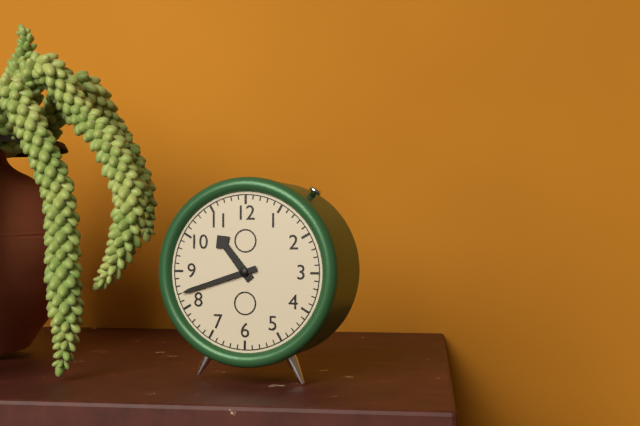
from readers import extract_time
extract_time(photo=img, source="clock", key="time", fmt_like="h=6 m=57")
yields h=10 m=42
